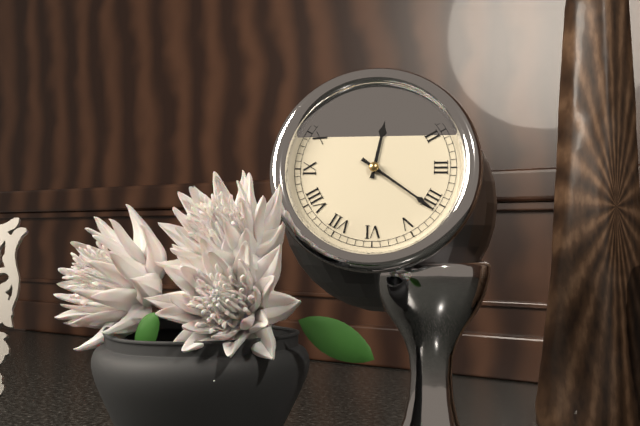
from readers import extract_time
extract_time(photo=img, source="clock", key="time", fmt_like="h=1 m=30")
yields h=12 m=21
